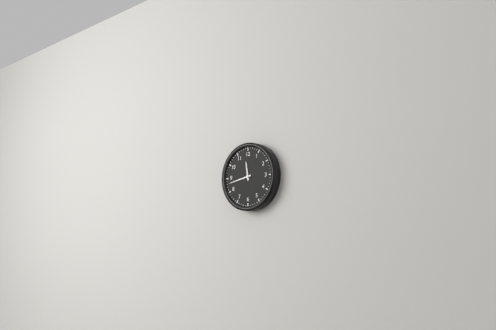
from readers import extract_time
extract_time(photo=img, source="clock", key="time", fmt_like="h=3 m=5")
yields h=11 m=43
